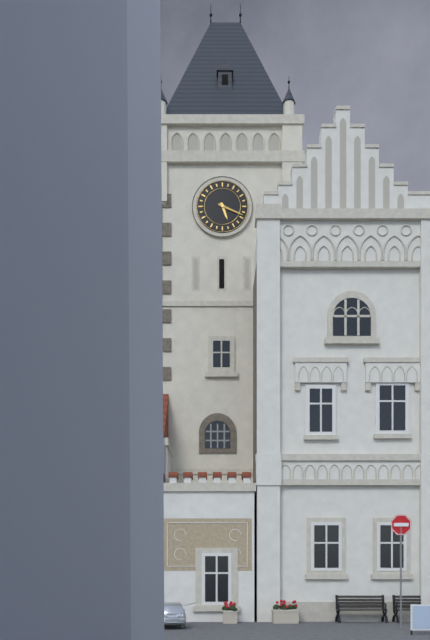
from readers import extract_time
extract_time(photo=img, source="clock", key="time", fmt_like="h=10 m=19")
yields h=5 m=19
